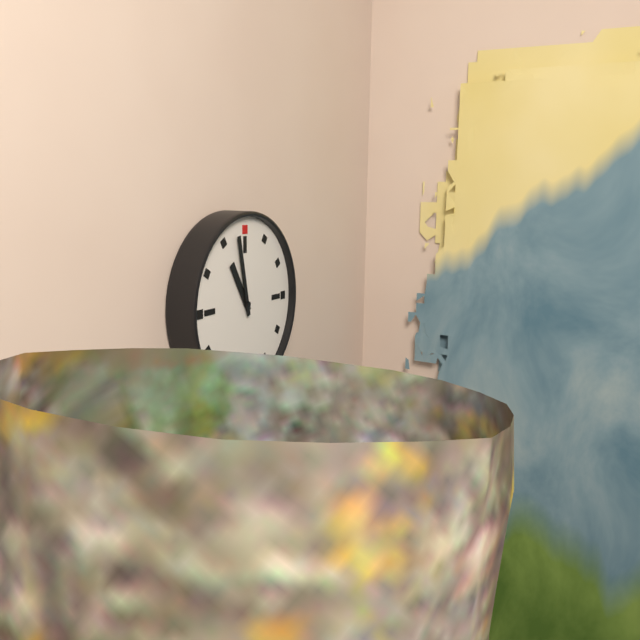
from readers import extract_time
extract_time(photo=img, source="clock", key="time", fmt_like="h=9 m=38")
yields h=10 m=58
